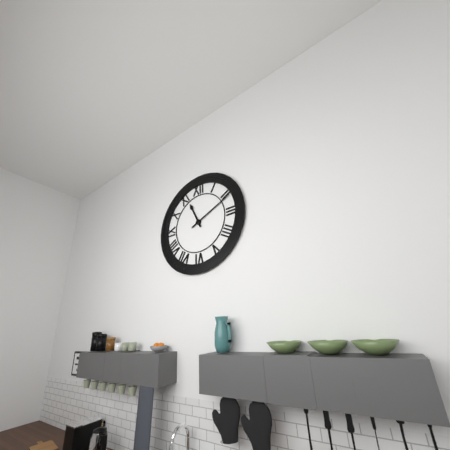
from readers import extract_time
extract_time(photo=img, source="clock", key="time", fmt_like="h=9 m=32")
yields h=11 m=11
